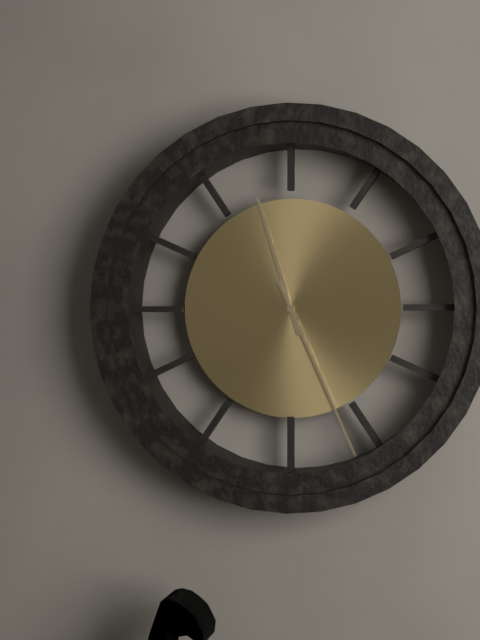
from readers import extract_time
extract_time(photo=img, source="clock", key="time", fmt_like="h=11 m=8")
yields h=11 m=26
